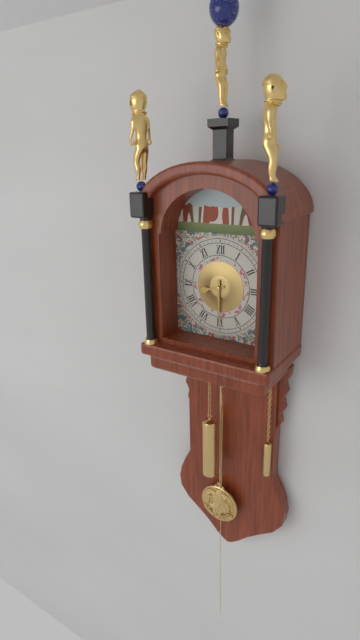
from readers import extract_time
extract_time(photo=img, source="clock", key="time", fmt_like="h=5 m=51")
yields h=8 m=30
